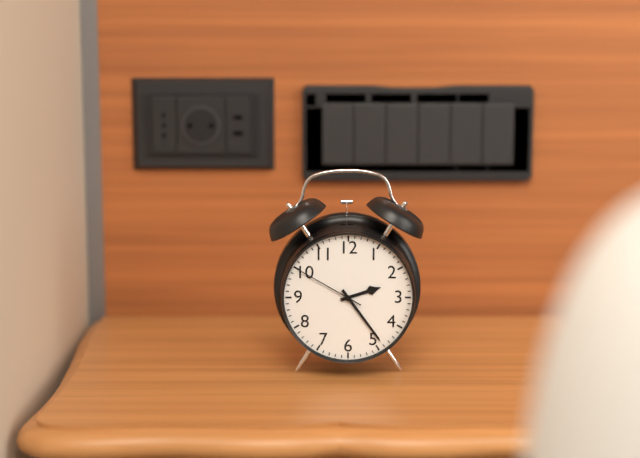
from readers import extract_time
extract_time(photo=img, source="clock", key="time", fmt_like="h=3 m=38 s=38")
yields h=2 m=24 s=50
